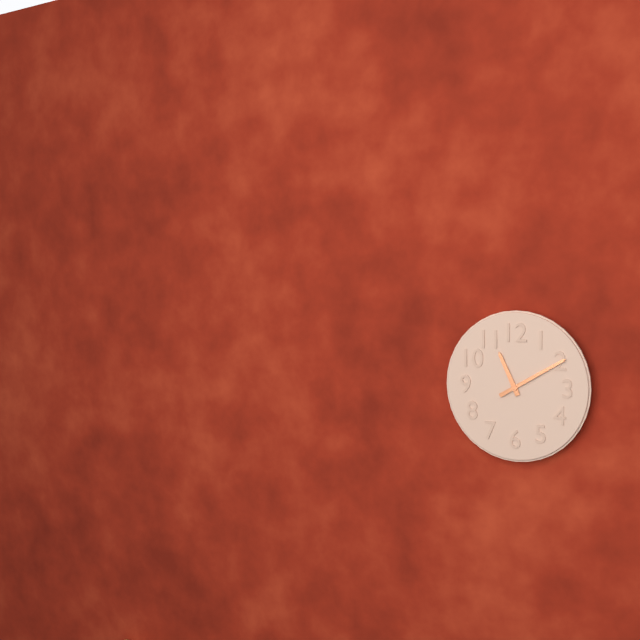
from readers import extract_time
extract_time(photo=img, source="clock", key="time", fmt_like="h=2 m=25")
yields h=11 m=10
